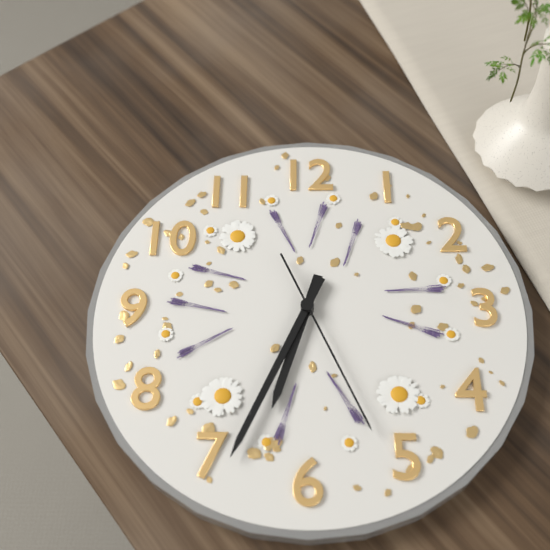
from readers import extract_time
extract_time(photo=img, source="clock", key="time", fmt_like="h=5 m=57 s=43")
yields h=6 m=34 s=26
